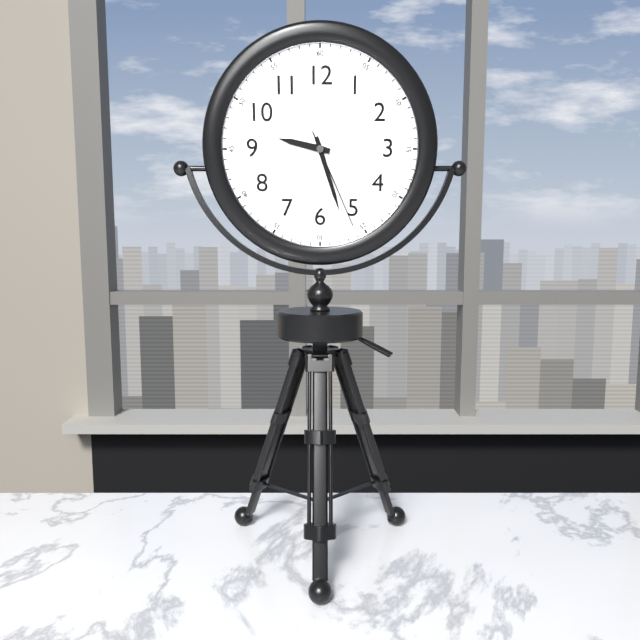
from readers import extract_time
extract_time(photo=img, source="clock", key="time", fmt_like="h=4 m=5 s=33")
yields h=9 m=27 s=26
